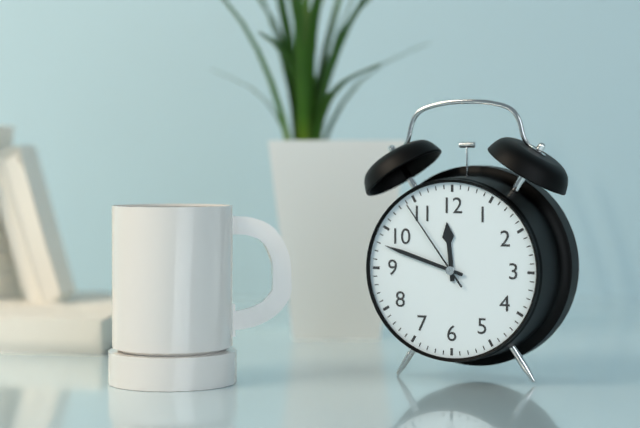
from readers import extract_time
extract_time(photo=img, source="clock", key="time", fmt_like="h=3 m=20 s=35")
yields h=11 m=48 s=54
